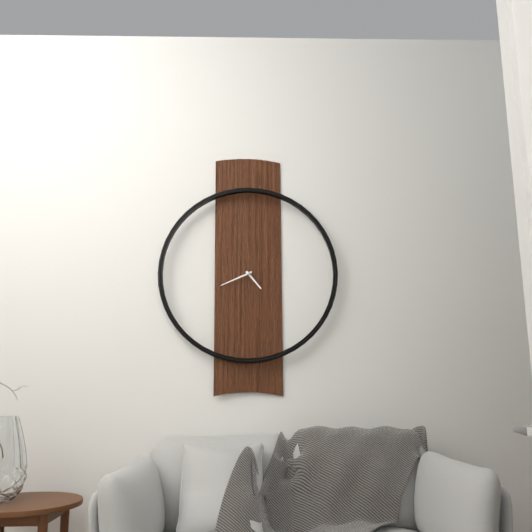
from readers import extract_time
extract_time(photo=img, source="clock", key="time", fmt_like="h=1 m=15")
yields h=4 m=41
